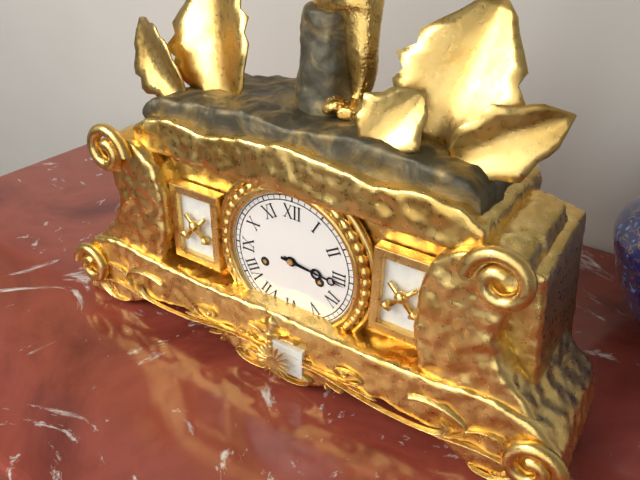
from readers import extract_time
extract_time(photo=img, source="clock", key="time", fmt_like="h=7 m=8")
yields h=3 m=16
